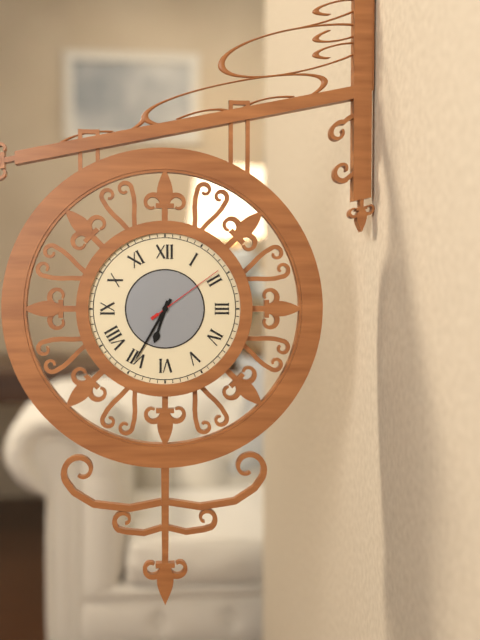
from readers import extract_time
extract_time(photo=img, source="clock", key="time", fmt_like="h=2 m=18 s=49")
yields h=6 m=35 s=9
